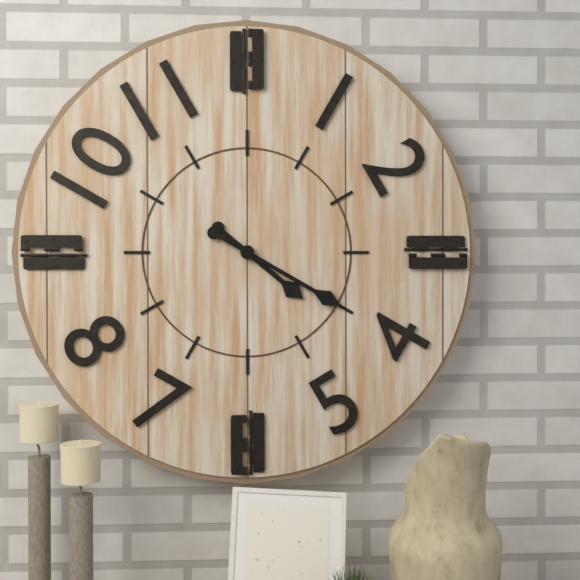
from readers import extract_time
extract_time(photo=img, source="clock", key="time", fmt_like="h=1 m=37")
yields h=4 m=20
